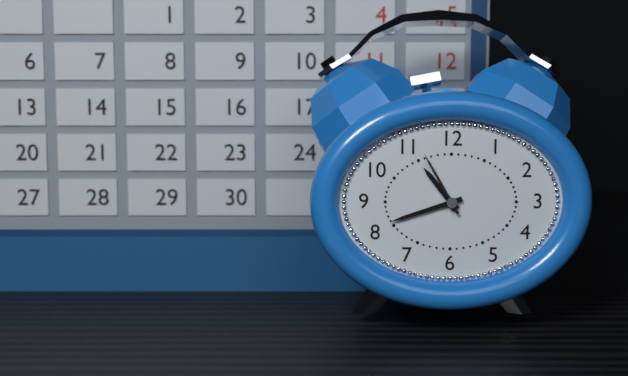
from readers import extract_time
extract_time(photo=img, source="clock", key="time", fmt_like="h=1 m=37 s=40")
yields h=10 m=42 s=55
